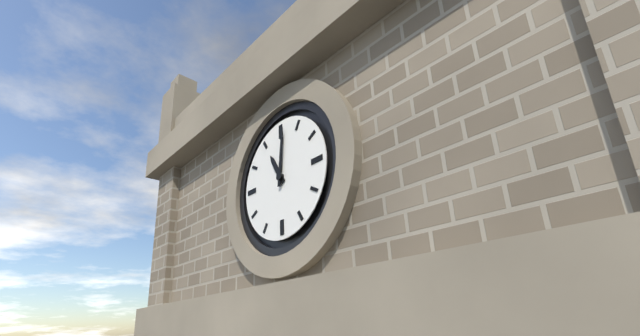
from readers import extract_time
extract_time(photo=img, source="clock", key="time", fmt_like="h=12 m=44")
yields h=11 m=1
